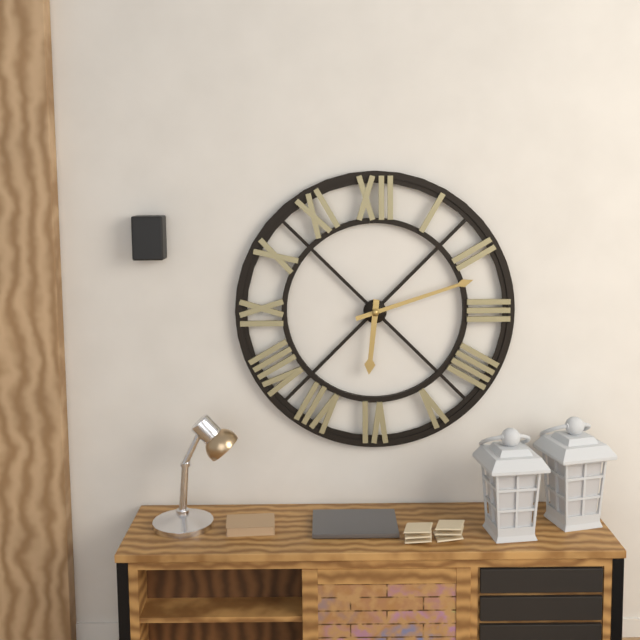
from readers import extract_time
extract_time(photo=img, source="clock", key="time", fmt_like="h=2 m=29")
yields h=6 m=12
